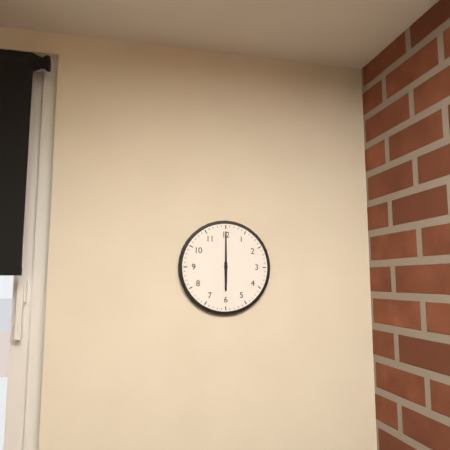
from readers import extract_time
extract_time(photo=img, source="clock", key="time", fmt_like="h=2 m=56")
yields h=6 m=0
